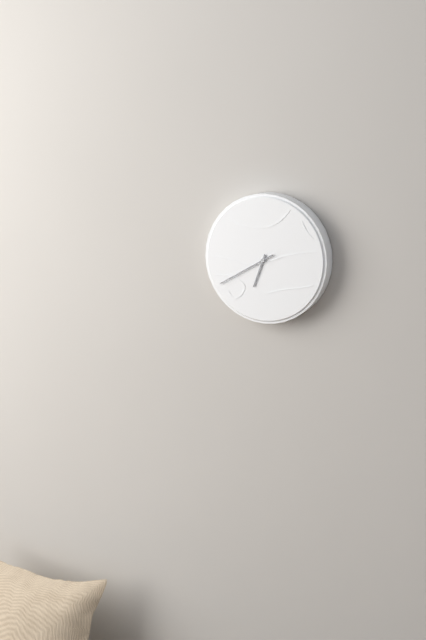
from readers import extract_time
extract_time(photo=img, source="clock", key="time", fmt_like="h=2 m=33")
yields h=6 m=40
